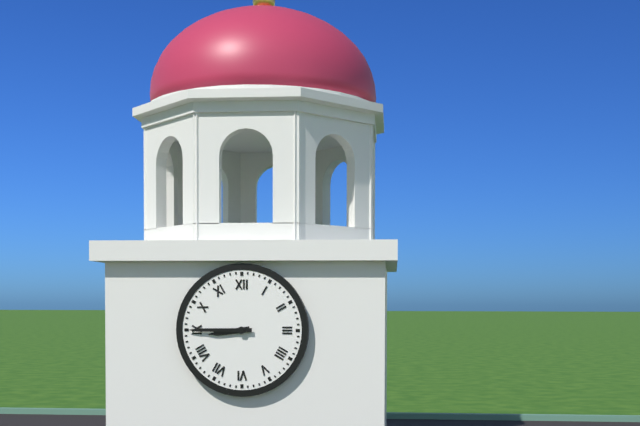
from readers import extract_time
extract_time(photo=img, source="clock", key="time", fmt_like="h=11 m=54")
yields h=8 m=45
